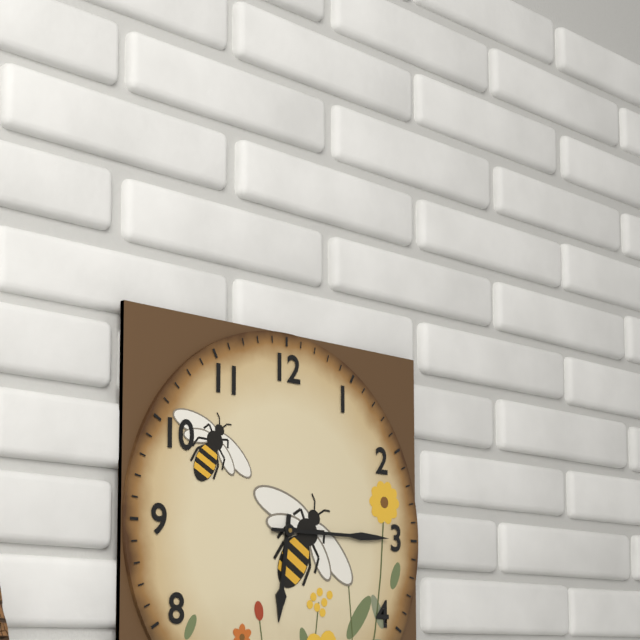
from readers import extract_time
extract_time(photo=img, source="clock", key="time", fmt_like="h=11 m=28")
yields h=6 m=15
